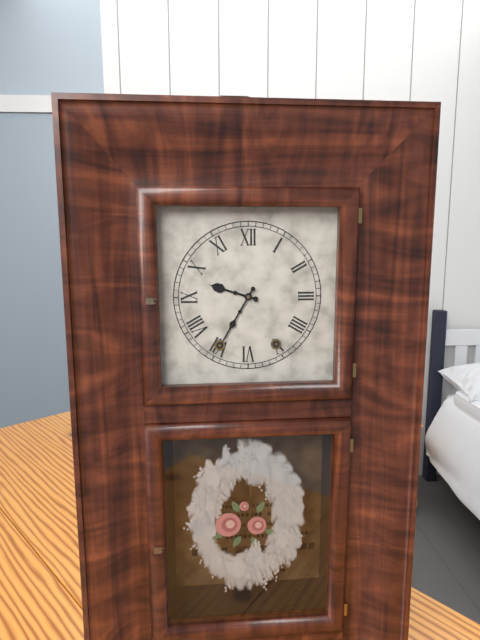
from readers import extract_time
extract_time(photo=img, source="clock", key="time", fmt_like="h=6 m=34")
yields h=9 m=35
